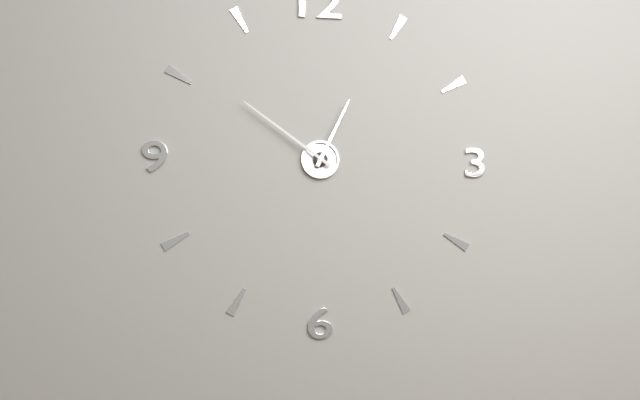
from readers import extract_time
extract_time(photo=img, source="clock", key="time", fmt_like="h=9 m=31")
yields h=12 m=51
